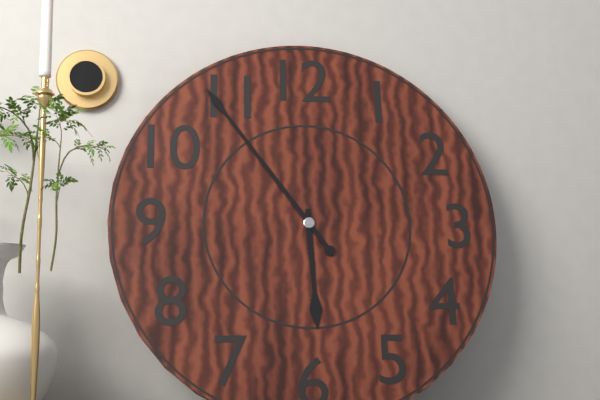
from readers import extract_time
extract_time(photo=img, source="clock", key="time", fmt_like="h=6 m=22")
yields h=5 m=54
